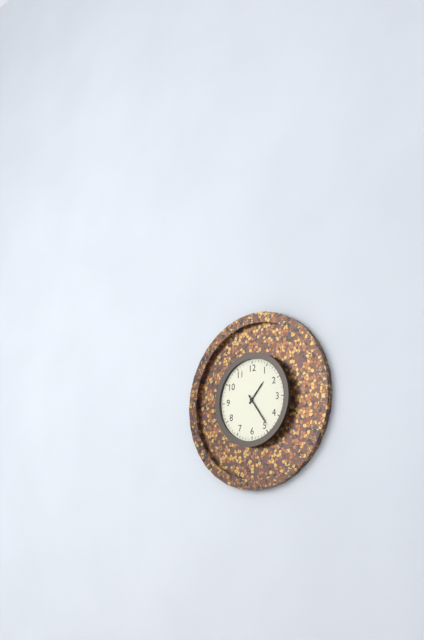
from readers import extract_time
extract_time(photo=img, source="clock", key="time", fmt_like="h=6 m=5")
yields h=1 m=24
